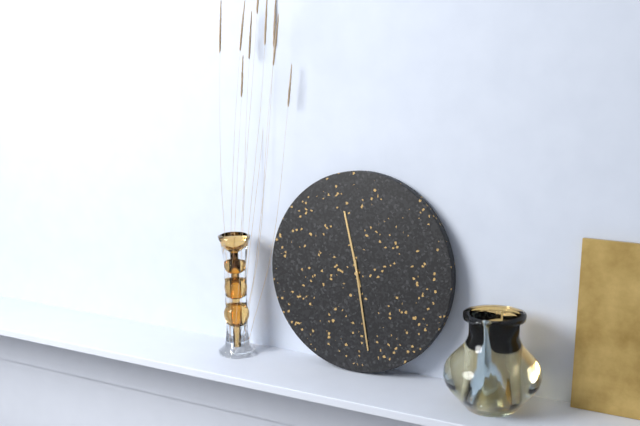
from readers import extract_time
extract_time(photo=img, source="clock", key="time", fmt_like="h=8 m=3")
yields h=11 m=28
